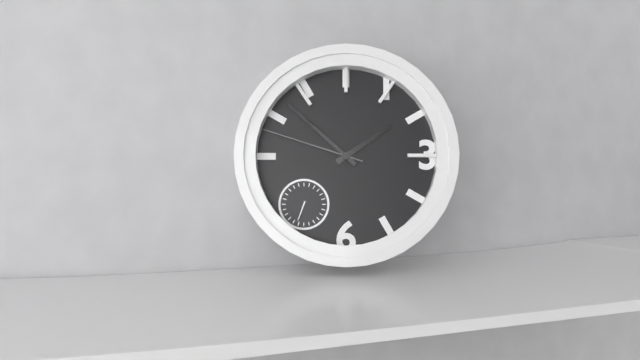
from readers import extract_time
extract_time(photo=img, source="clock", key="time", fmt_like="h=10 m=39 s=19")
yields h=1 m=52 s=48
